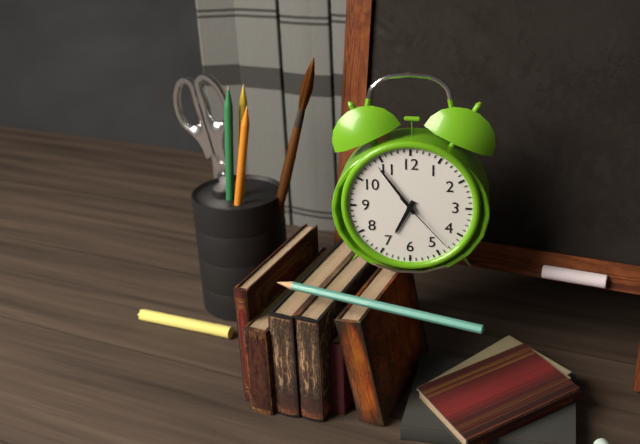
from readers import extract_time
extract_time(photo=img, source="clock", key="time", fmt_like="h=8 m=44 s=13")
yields h=6 m=54 s=23
